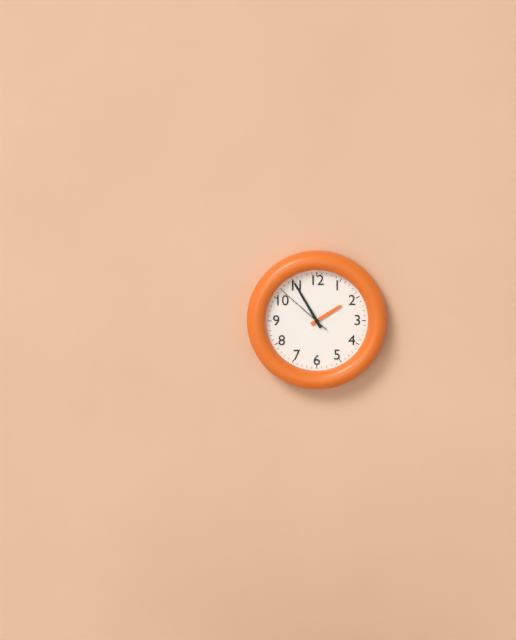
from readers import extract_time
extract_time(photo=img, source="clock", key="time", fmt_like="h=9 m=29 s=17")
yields h=1 m=55 s=52
